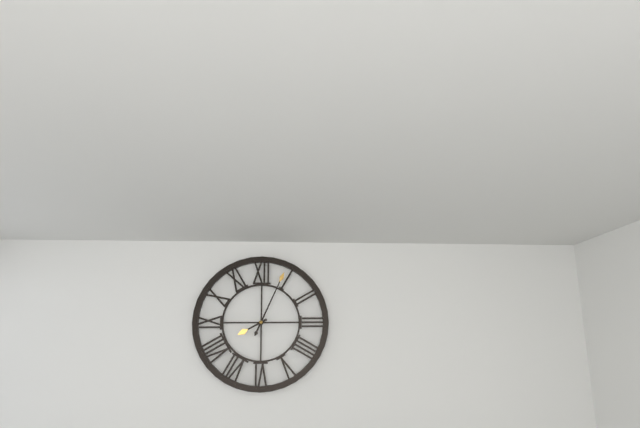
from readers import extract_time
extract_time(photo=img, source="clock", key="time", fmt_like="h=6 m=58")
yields h=8 m=4
